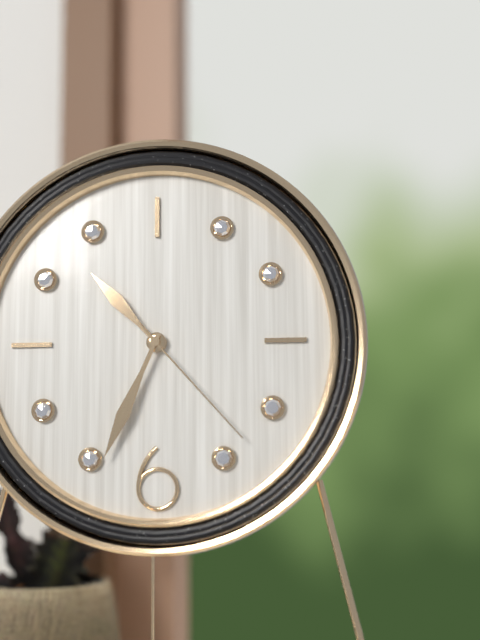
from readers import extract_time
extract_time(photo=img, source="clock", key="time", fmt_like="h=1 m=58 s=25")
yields h=10 m=34 s=23
